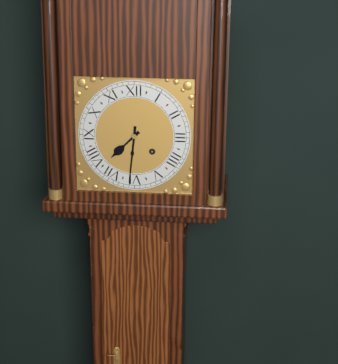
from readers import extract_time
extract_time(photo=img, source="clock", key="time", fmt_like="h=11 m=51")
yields h=7 m=31
